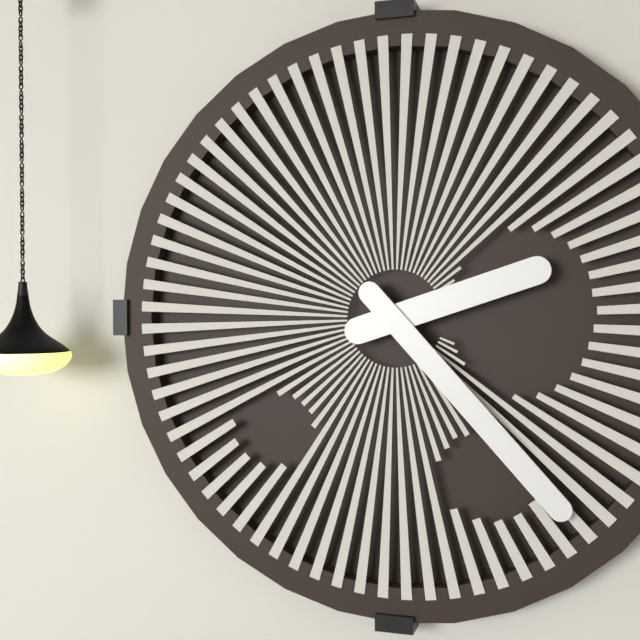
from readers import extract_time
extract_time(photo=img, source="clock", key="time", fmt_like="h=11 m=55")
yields h=2 m=23
